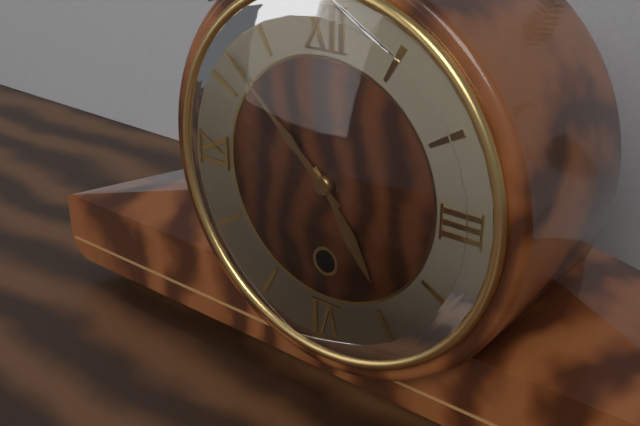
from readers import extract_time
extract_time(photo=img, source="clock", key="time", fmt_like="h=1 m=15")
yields h=4 m=52
